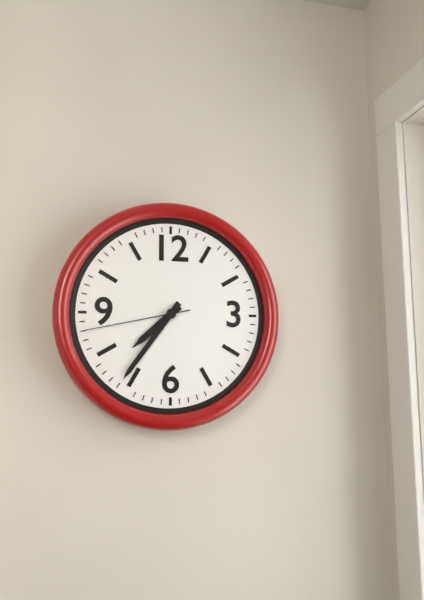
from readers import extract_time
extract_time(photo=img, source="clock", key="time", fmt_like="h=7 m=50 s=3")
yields h=7 m=36 s=43
